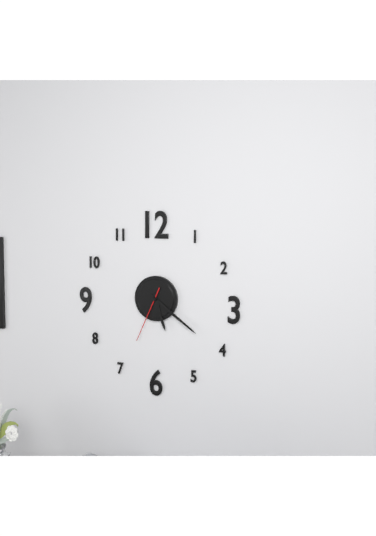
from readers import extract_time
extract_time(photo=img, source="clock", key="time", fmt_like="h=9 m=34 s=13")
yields h=5 m=21 s=34
